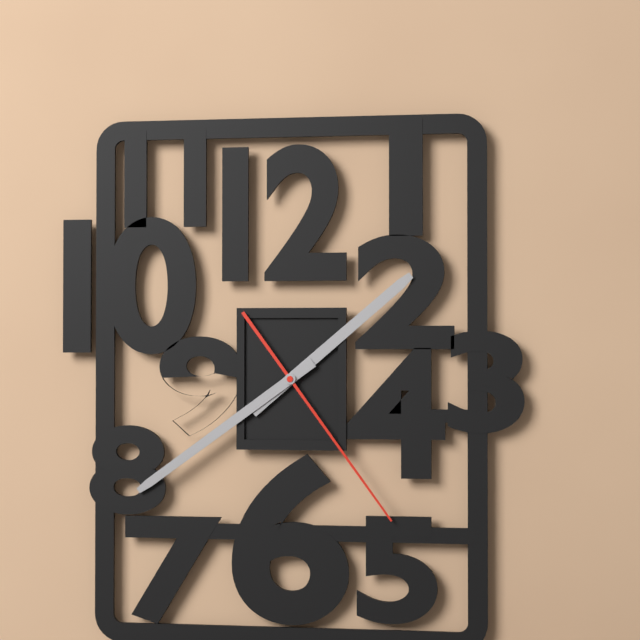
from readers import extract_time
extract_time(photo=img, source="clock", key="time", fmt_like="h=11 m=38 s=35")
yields h=1 m=39 s=24
